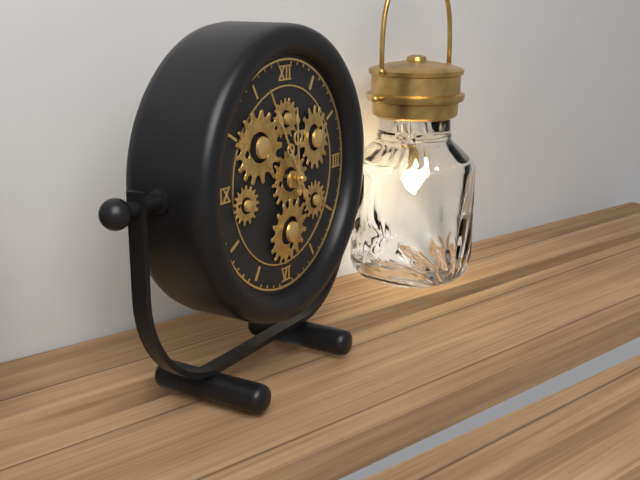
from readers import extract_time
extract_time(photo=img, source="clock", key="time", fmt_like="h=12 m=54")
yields h=11 m=55
